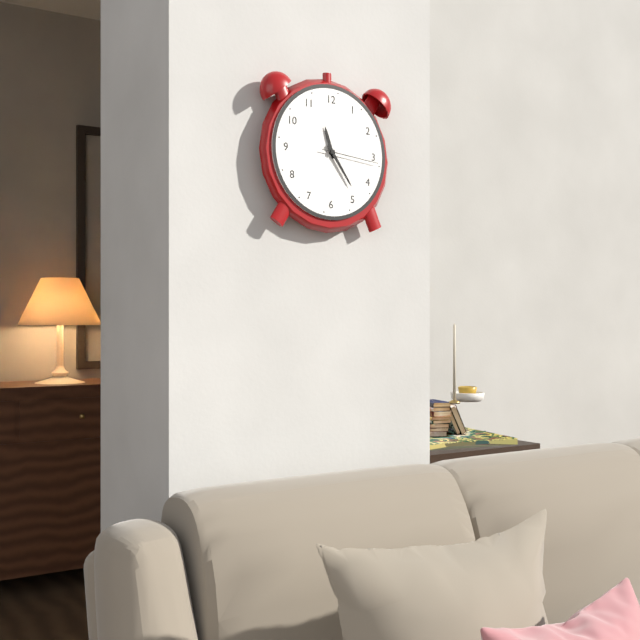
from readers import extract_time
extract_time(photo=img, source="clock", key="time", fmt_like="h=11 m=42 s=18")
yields h=11 m=24 s=16
